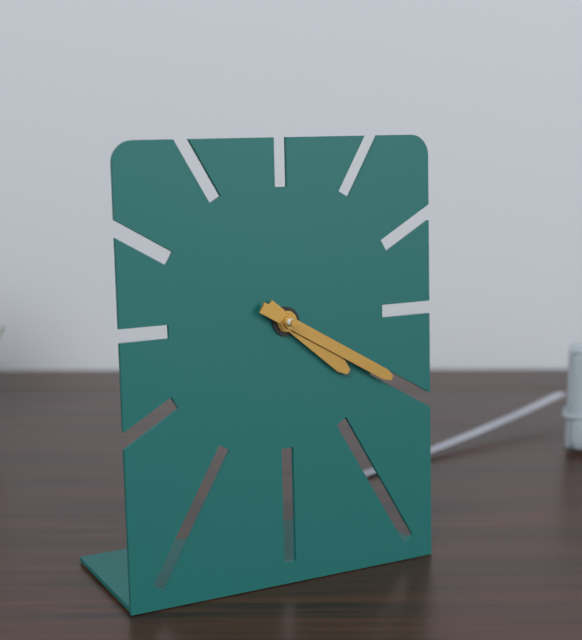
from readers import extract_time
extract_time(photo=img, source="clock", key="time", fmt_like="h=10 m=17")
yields h=4 m=20
